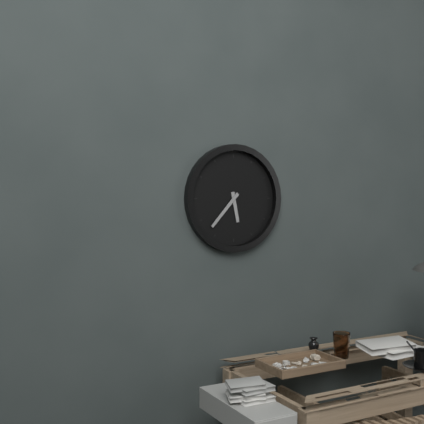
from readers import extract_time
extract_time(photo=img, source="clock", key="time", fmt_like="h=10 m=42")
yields h=5 m=37
